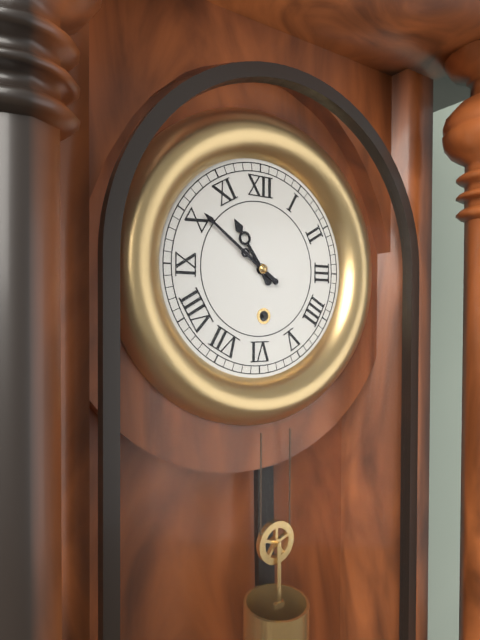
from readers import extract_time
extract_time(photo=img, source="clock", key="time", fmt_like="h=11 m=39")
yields h=10 m=51
